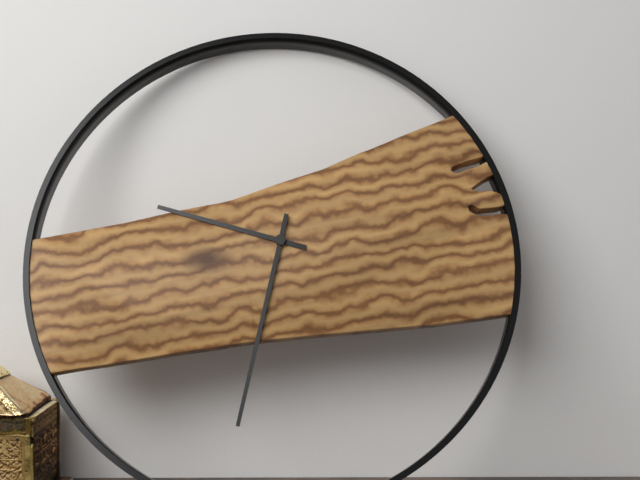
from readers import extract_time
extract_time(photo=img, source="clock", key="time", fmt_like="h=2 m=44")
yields h=9 m=32
